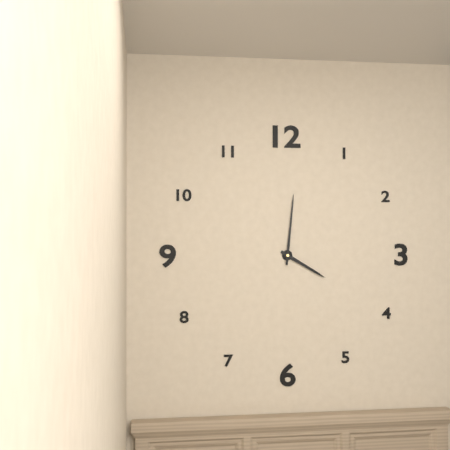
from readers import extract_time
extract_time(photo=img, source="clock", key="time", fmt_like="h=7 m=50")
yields h=4 m=1
